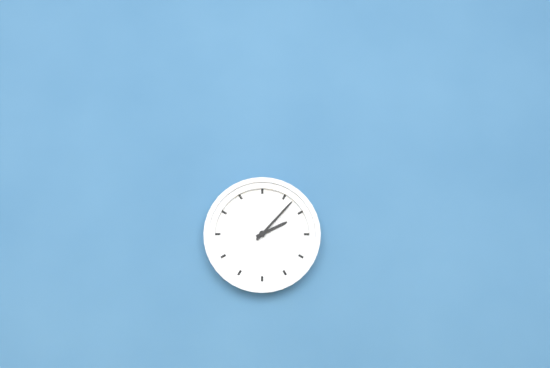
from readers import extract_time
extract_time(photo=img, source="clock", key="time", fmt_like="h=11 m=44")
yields h=2 m=7
